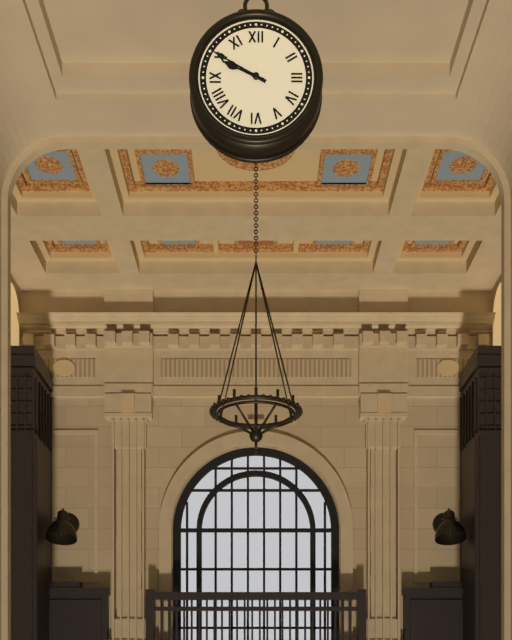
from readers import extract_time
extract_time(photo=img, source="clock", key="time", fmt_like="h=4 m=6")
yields h=9 m=50
